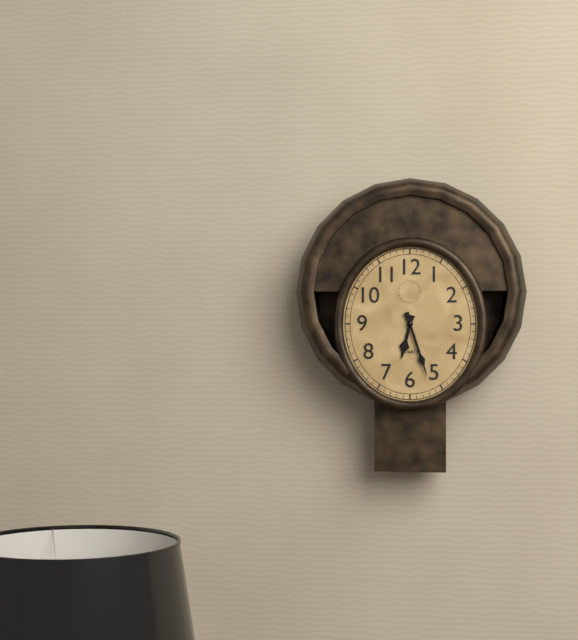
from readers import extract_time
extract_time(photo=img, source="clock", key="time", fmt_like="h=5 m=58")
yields h=6 m=27
